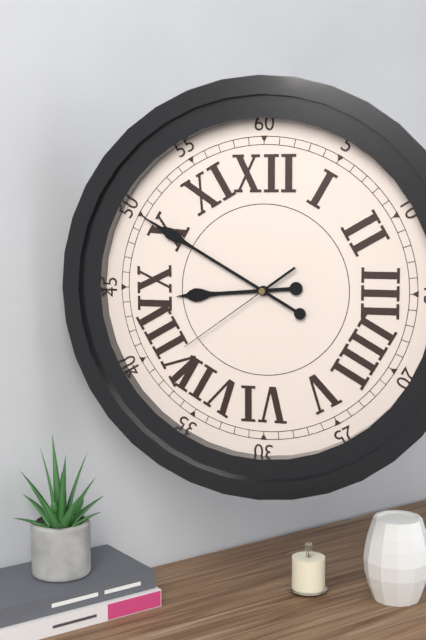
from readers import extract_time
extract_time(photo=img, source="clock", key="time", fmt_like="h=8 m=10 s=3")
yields h=8 m=50 s=39
